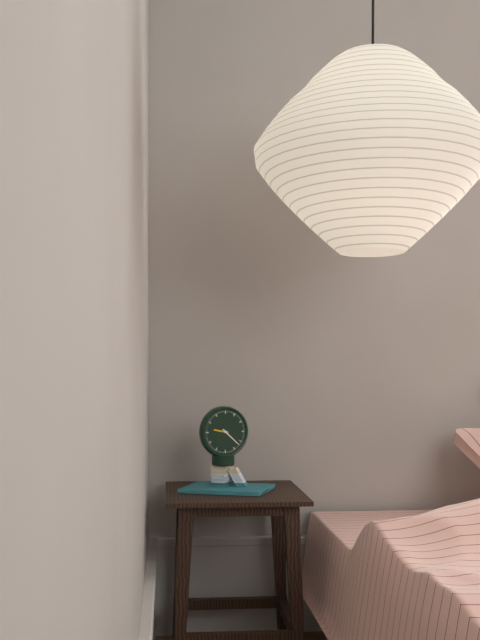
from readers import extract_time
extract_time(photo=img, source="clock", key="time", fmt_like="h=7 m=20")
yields h=9 m=22
